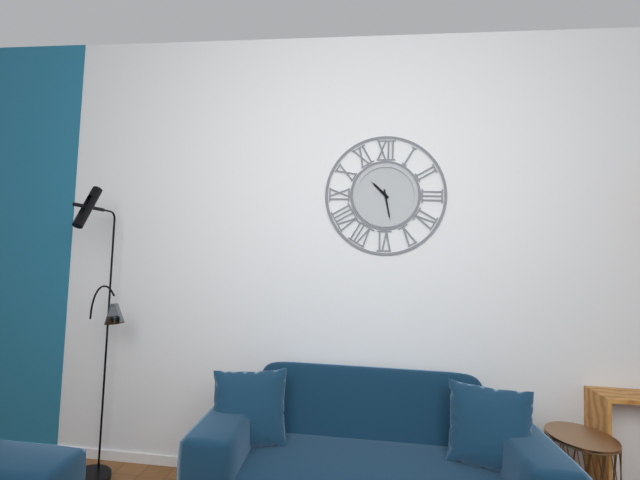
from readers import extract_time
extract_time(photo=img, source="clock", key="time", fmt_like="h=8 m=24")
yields h=10 m=28
